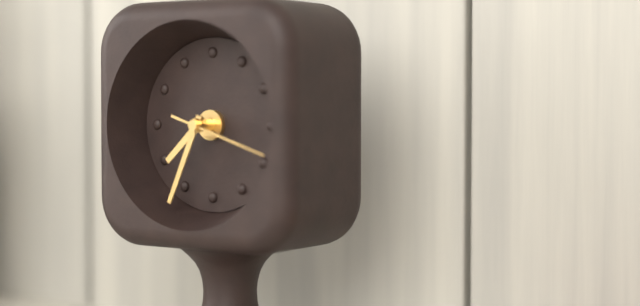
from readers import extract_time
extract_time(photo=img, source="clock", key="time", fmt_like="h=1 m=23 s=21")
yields h=7 m=34 s=18
